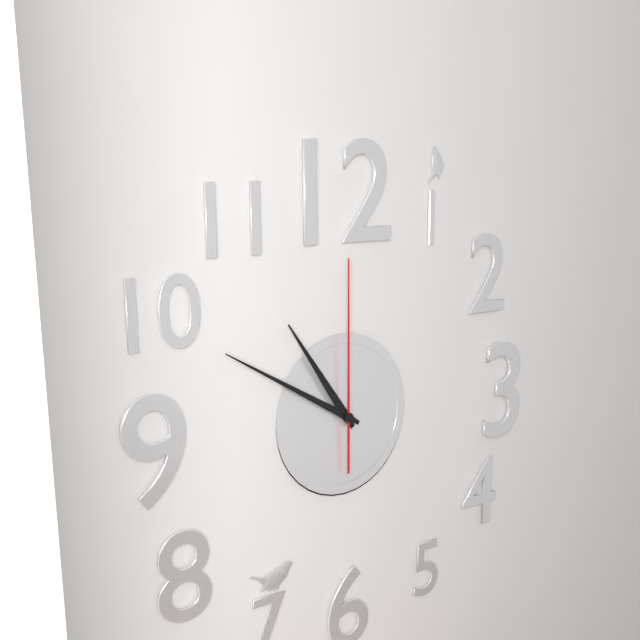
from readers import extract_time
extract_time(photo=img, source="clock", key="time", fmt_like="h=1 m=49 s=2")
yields h=10 m=50 s=0
